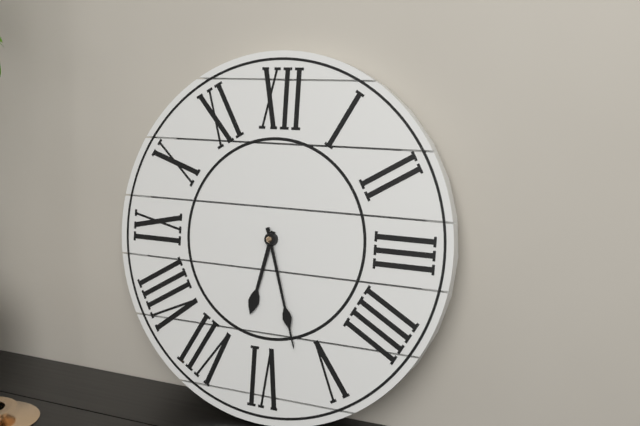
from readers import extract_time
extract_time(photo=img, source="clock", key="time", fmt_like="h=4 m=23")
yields h=6 m=27
